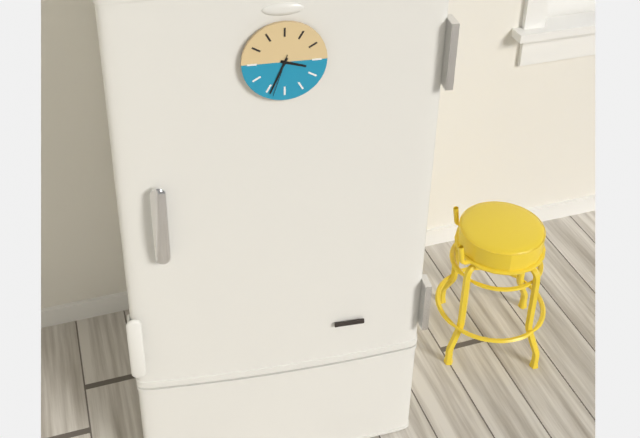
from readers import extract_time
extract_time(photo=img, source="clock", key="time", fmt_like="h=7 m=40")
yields h=3 m=34
